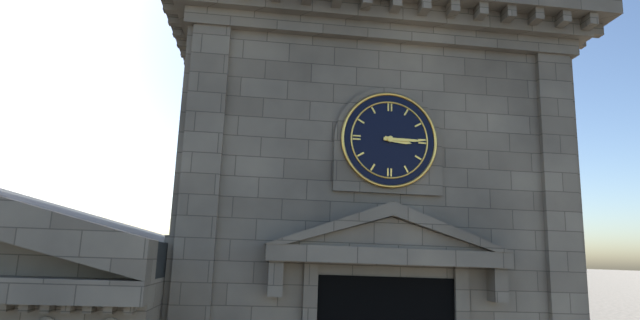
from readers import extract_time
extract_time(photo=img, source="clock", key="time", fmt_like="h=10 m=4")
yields h=3 m=15
